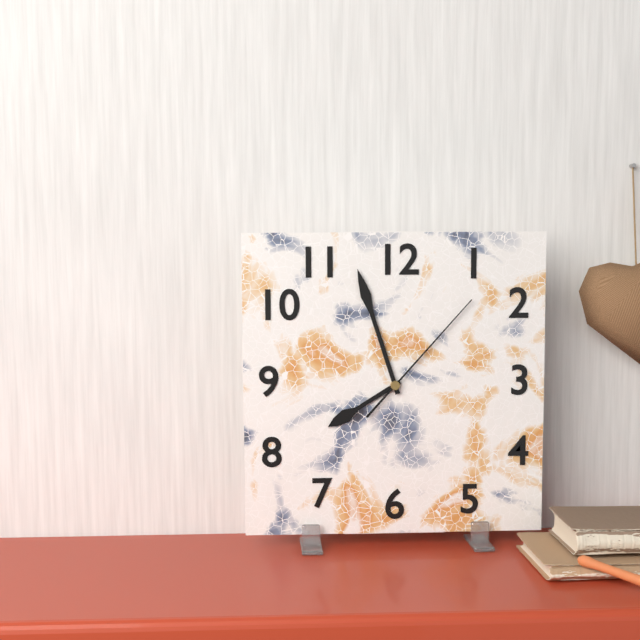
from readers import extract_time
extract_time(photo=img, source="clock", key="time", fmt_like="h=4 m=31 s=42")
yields h=7 m=57 s=7
